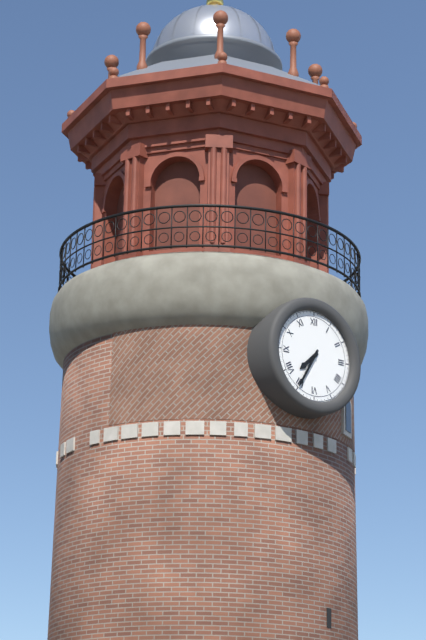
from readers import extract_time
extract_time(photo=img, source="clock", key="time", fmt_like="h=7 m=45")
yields h=7 m=35
